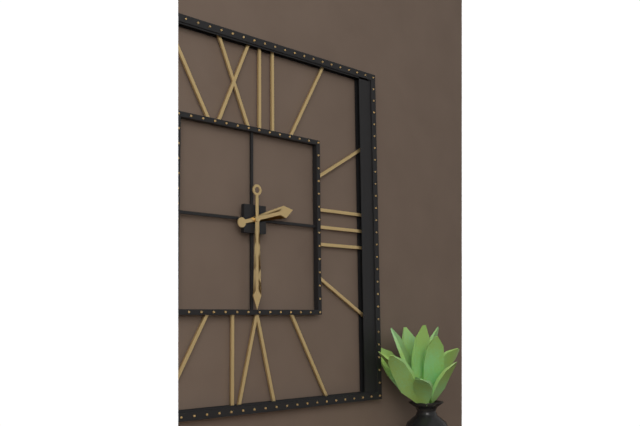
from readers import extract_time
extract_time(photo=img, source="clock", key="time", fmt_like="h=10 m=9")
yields h=2 m=30
